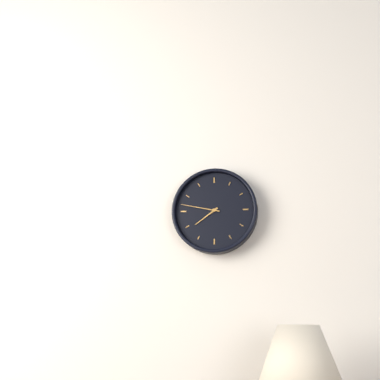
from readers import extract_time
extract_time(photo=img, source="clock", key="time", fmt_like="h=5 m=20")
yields h=7 m=47
